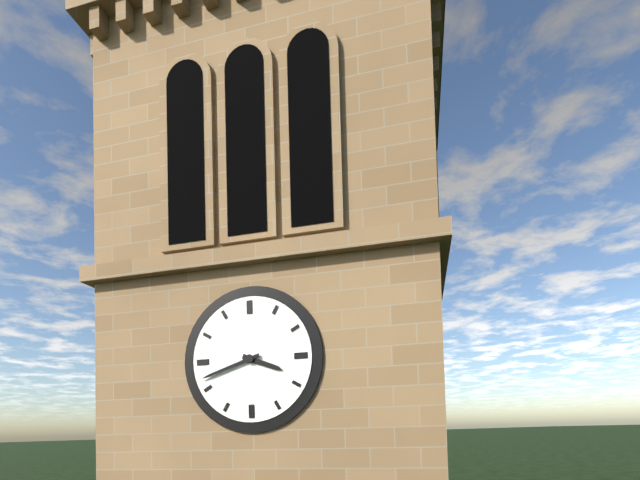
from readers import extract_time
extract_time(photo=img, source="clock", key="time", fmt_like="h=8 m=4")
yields h=3 m=42
